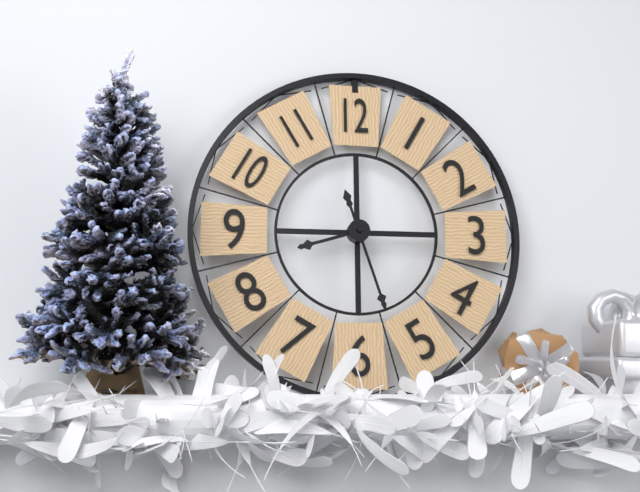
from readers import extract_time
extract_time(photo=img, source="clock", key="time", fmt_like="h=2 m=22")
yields h=8 m=27
